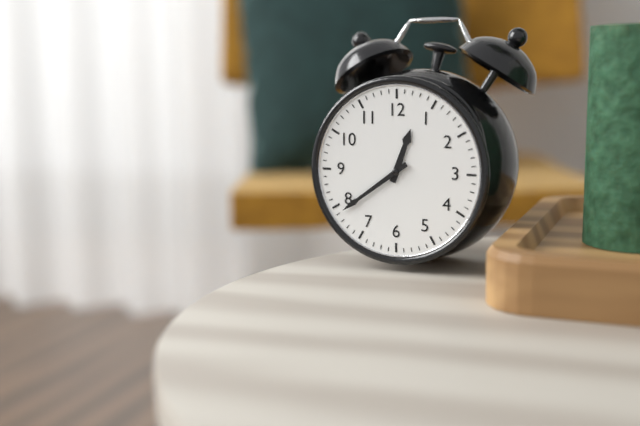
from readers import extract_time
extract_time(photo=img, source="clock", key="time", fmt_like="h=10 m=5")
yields h=12 m=39
